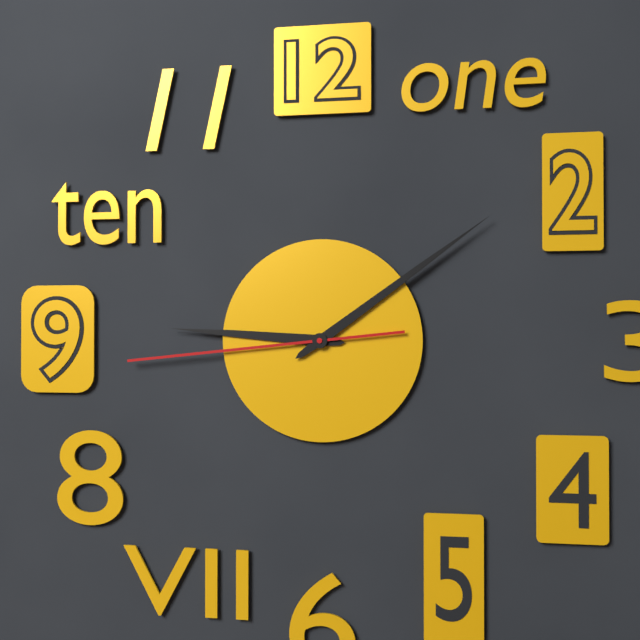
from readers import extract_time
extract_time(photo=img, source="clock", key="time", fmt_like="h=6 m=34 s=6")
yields h=9 m=9 s=44
